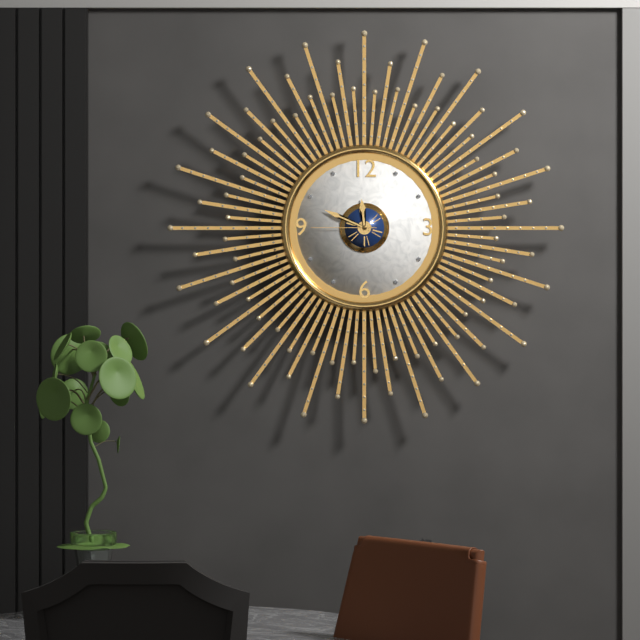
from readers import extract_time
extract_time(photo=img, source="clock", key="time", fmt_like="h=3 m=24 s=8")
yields h=11 m=49 s=45
